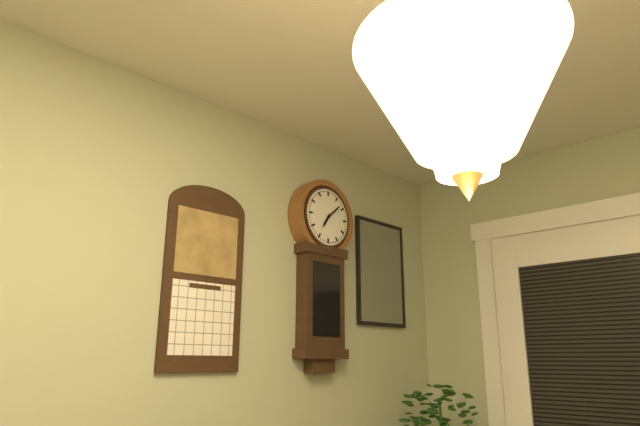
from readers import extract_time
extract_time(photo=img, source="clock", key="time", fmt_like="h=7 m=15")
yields h=7 m=8
